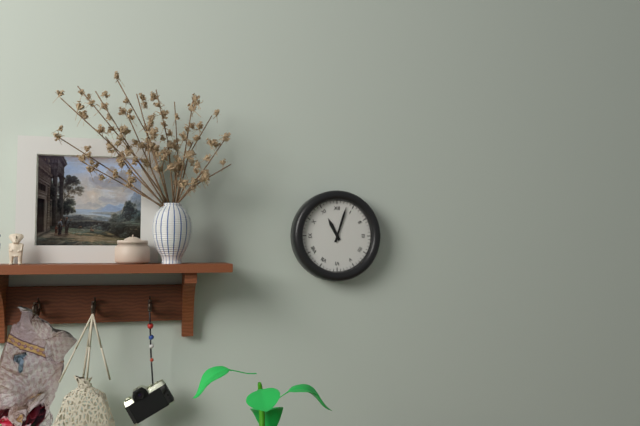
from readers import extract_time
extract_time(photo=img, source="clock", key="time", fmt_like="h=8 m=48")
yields h=11 m=3
